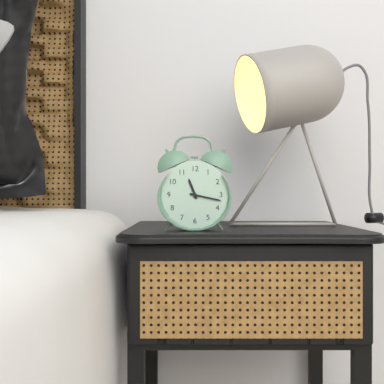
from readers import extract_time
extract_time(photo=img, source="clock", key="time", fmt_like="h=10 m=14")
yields h=11 m=17
